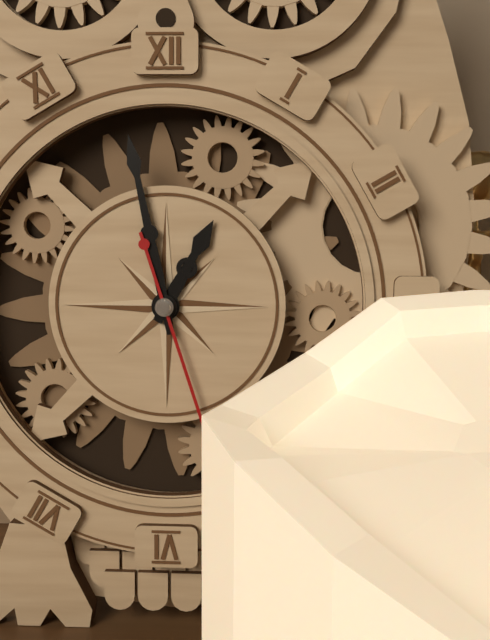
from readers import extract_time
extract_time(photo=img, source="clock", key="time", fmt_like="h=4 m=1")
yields h=12 m=58
